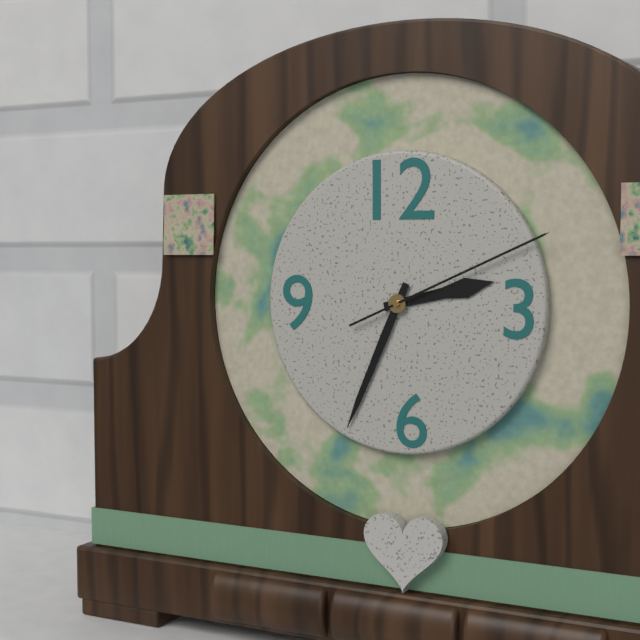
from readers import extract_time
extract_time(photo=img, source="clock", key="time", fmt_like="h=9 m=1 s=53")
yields h=2 m=34 s=11
